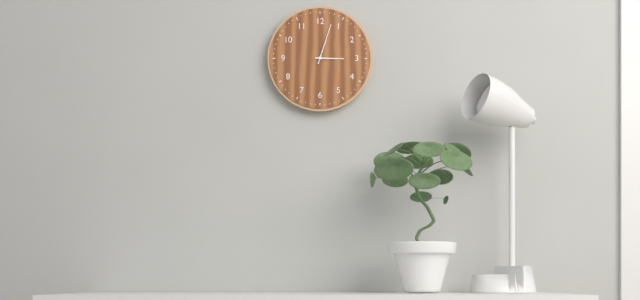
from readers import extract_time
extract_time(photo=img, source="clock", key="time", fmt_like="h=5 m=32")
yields h=3 m=3
